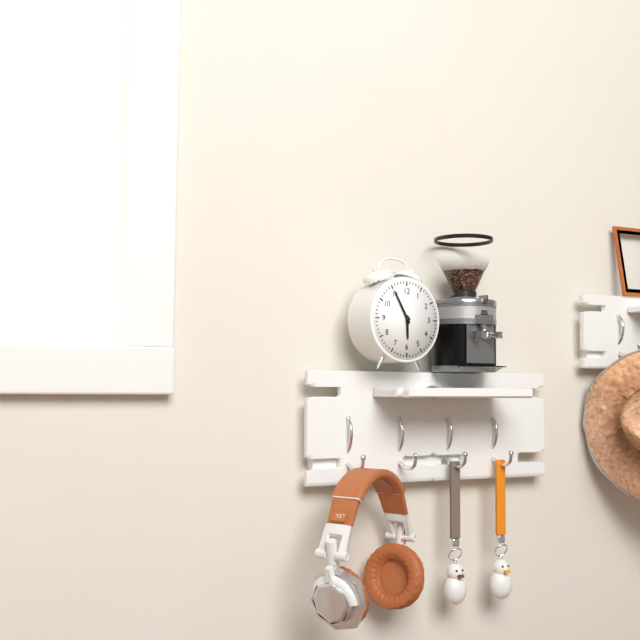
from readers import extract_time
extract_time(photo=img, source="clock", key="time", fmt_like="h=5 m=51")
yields h=5 m=55
